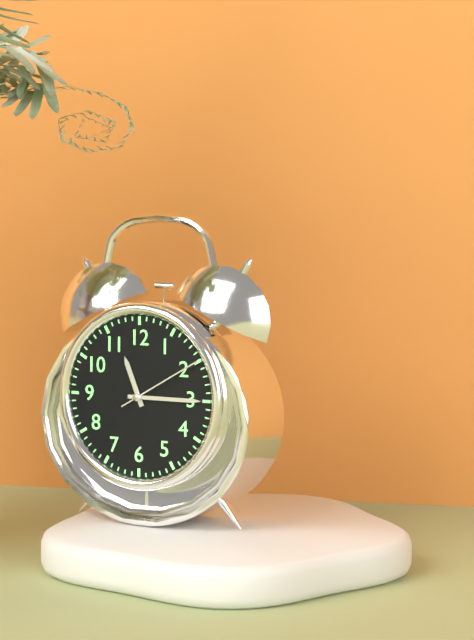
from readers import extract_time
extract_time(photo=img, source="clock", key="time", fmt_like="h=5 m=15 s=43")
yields h=11 m=15 s=10
